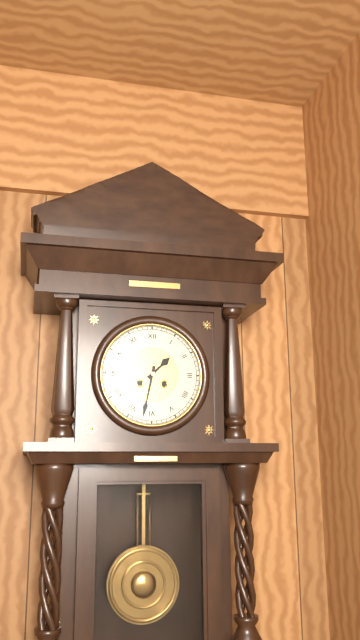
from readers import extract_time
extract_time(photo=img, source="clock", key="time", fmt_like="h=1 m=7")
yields h=1 m=32
